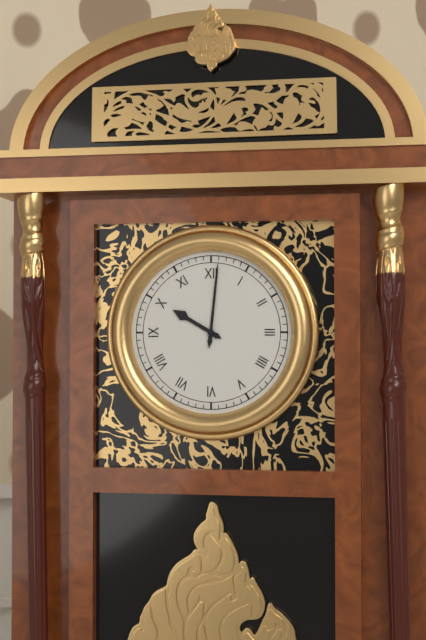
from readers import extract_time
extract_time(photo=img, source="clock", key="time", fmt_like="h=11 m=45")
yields h=10 m=1
